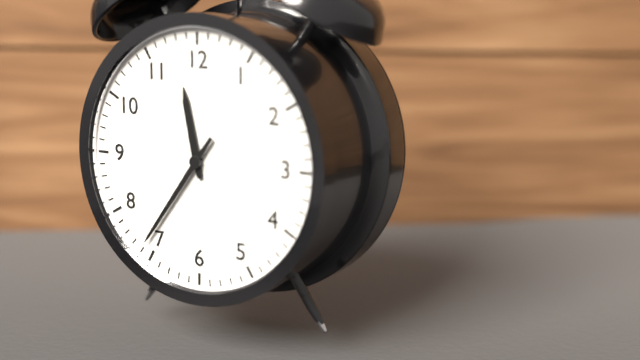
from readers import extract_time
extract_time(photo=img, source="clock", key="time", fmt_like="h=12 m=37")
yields h=11 m=36
